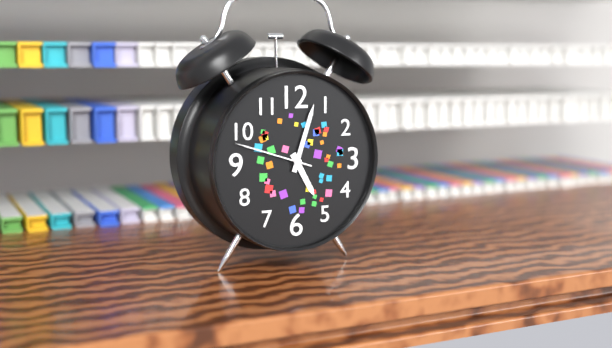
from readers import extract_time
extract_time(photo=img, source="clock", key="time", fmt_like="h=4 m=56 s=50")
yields h=5 m=3 s=48
